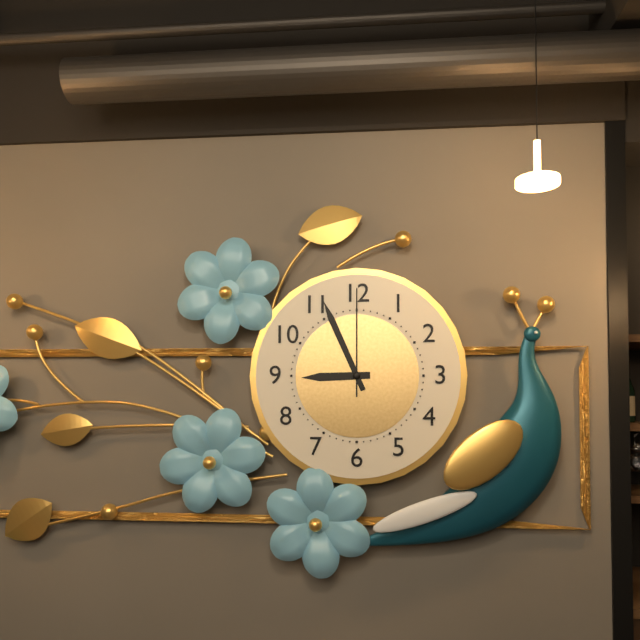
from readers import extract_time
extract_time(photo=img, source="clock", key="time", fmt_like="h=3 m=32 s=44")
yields h=8 m=56 s=0
